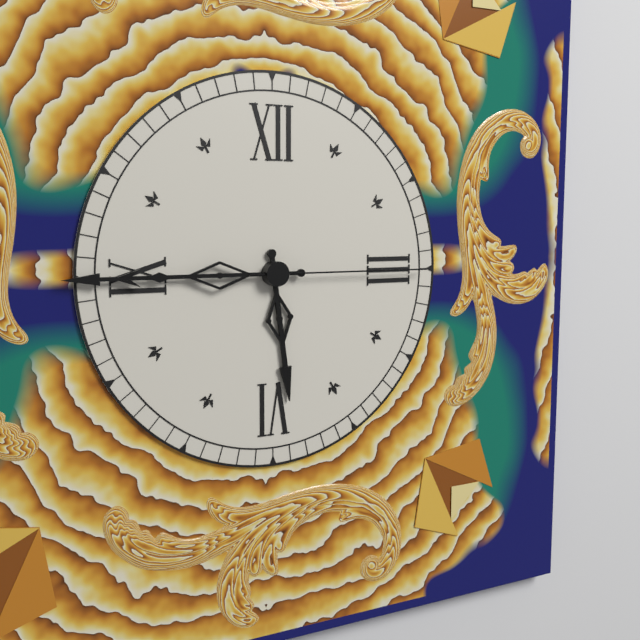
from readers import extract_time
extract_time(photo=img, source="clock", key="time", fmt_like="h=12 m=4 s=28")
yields h=5 m=45 s=15
